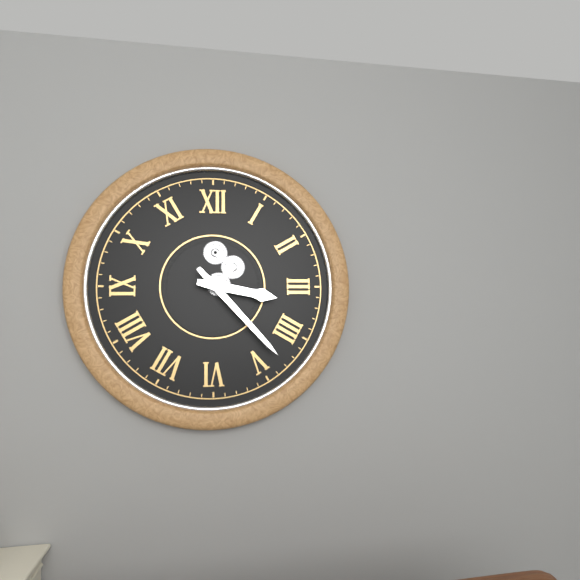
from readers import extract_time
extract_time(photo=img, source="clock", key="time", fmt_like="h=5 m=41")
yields h=3 m=23
